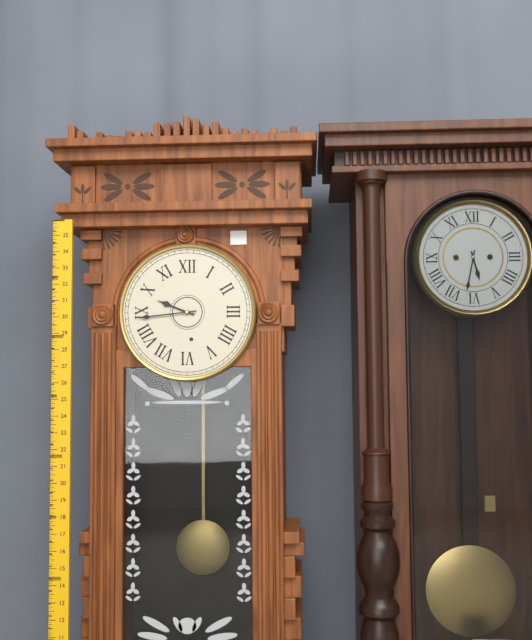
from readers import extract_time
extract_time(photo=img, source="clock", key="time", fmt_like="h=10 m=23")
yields h=9 m=44
